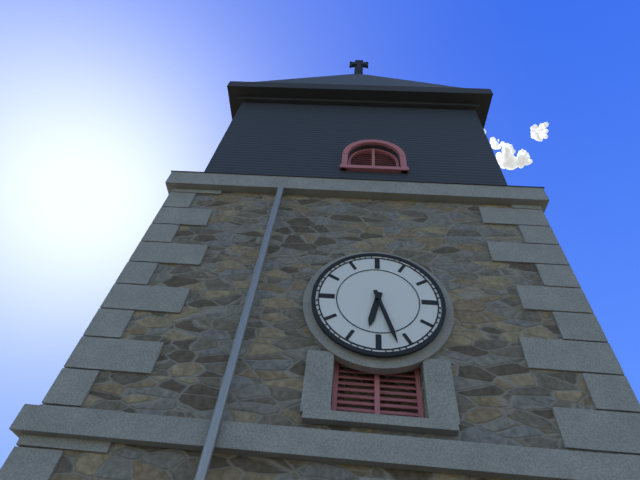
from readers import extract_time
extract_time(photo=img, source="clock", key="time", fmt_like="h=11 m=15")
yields h=6 m=27
